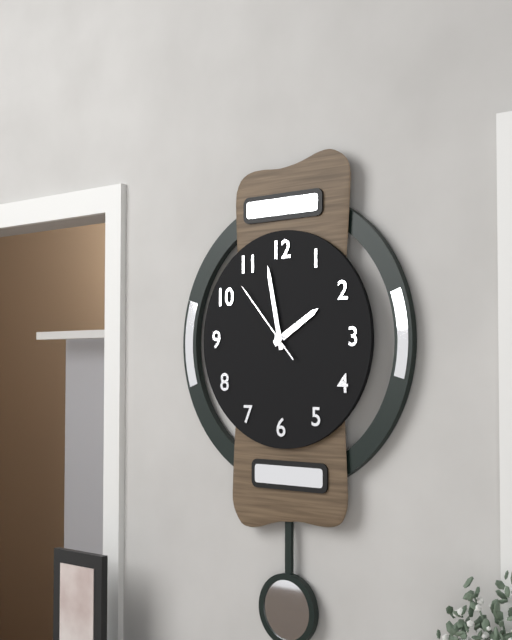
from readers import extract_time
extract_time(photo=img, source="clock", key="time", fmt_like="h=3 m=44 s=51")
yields h=1 m=58 s=53
